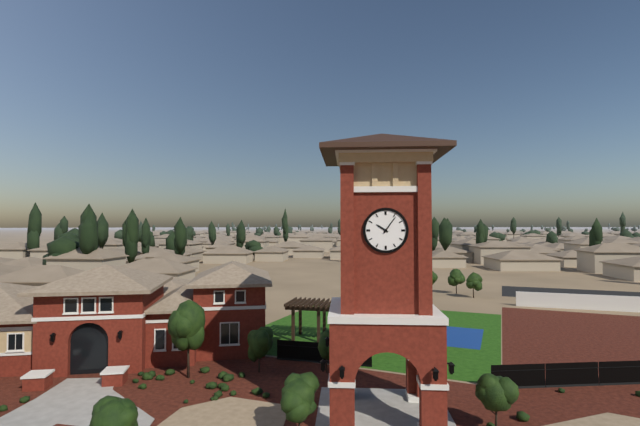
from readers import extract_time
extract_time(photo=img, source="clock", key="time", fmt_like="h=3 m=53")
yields h=10 m=6
